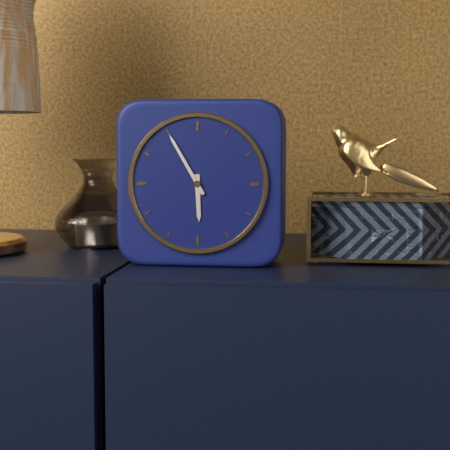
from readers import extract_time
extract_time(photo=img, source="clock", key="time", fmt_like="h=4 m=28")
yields h=5 m=55
